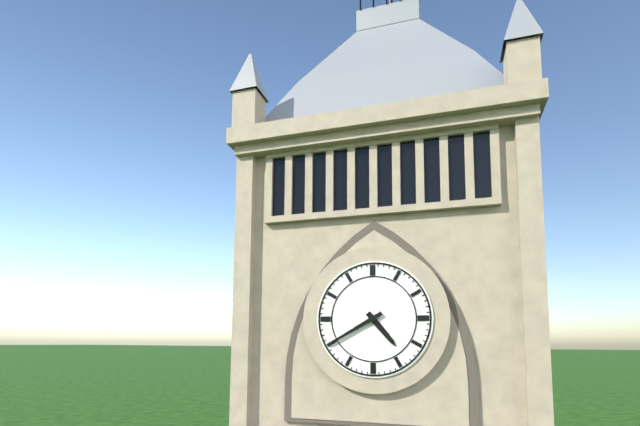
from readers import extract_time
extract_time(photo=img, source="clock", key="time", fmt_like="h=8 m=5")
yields h=4 m=40
